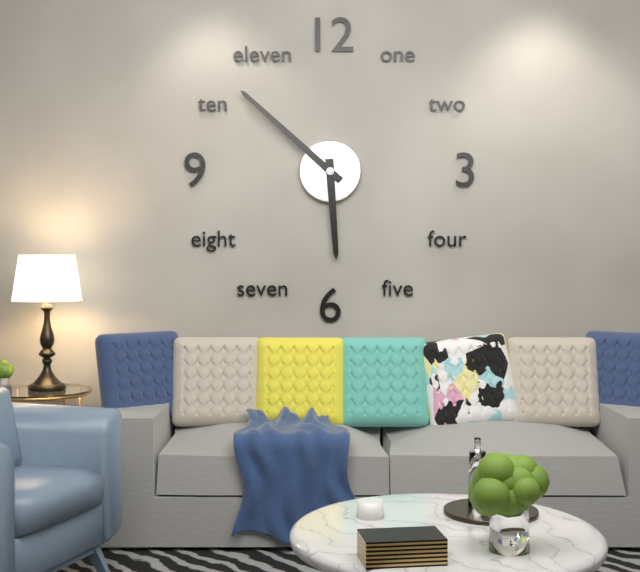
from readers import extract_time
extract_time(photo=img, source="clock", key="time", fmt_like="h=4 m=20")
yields h=5 m=52
